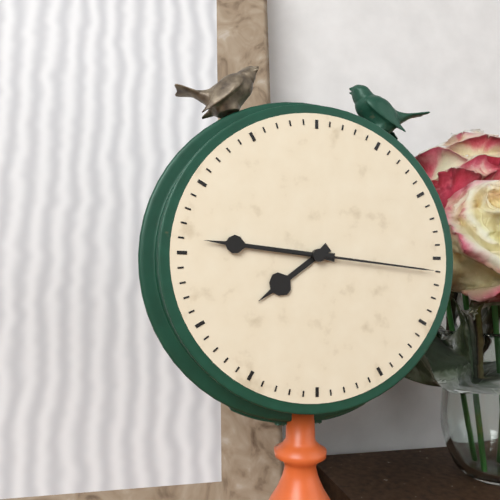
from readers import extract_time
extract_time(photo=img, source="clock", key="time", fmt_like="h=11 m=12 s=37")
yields h=7 m=46 s=16
